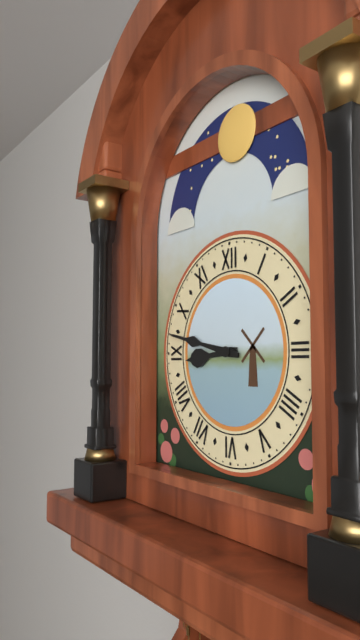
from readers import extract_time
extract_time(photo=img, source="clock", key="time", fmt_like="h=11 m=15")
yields h=8 m=47
